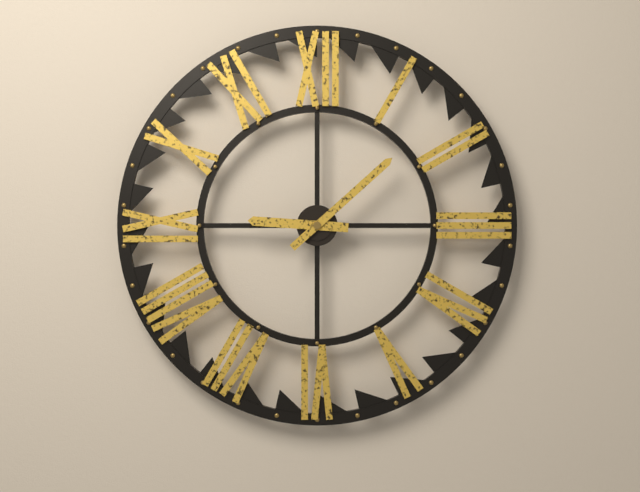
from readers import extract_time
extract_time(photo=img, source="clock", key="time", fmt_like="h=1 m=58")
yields h=9 m=8
